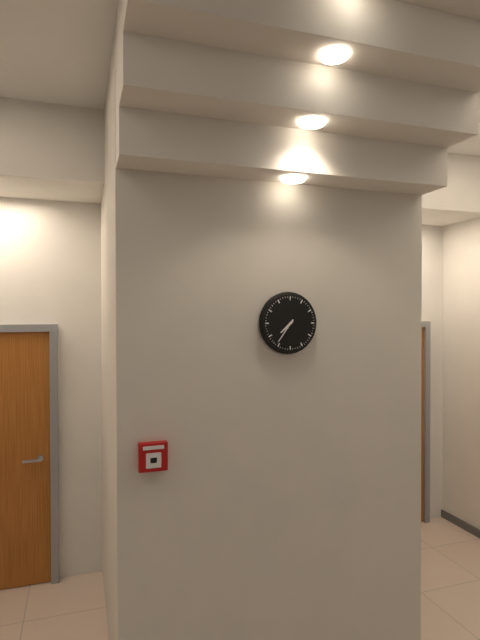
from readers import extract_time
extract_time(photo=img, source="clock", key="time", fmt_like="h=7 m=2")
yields h=7 m=36
